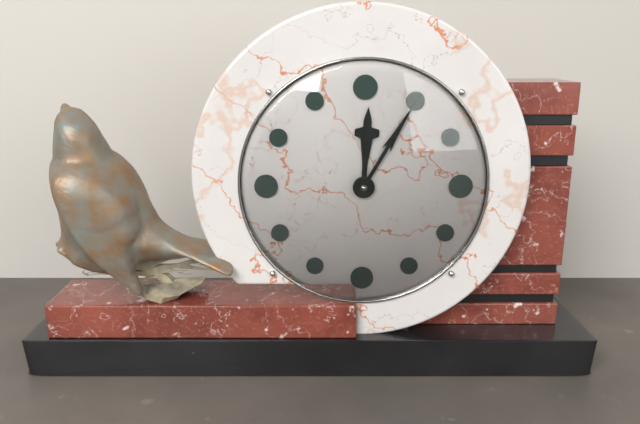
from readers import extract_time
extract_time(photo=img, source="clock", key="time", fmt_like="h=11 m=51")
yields h=12 m=5
